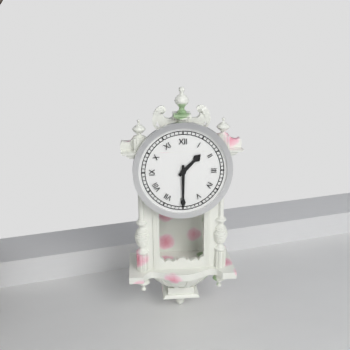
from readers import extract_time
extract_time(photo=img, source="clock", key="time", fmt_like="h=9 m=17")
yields h=1 m=30
